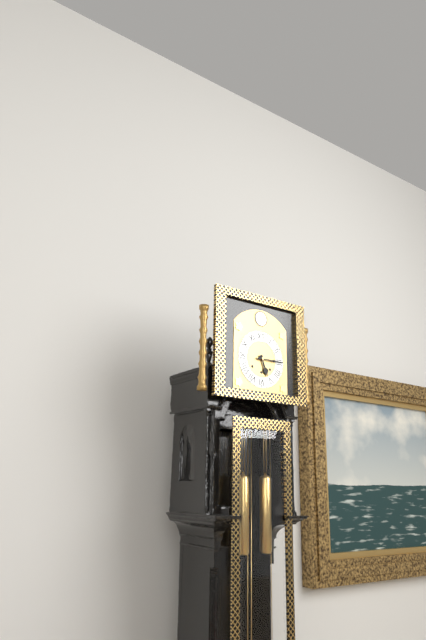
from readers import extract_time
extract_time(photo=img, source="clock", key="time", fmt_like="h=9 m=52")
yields h=5 m=15
